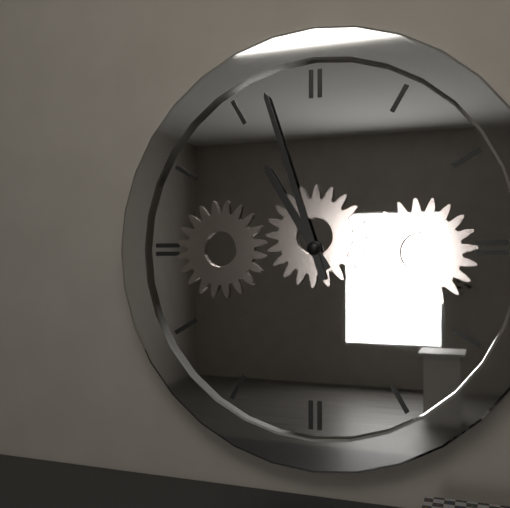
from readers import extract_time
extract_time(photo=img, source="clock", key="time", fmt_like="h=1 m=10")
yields h=10 m=57
